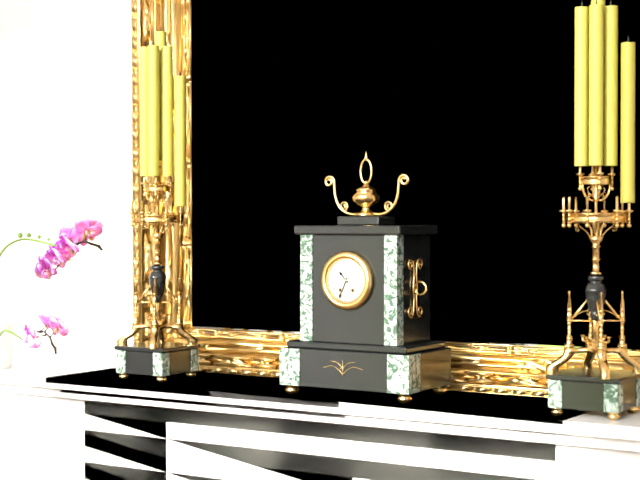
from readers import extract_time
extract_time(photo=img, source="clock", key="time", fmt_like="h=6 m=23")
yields h=10 m=34
